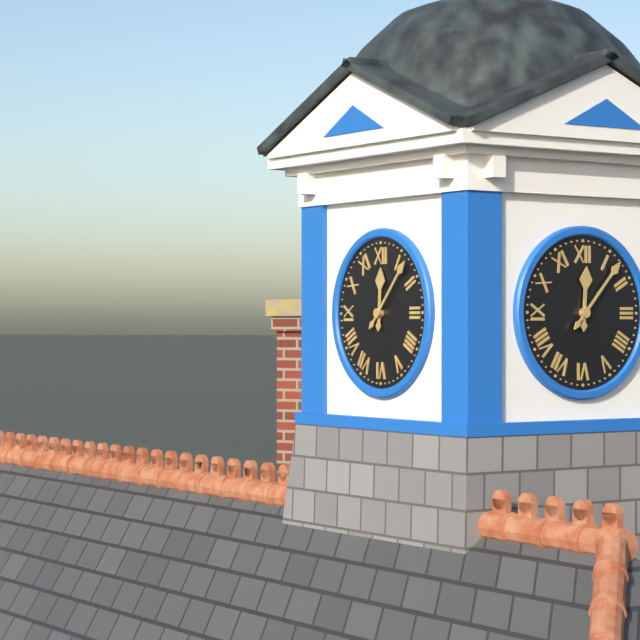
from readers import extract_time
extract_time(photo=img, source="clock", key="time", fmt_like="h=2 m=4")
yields h=12 m=7
